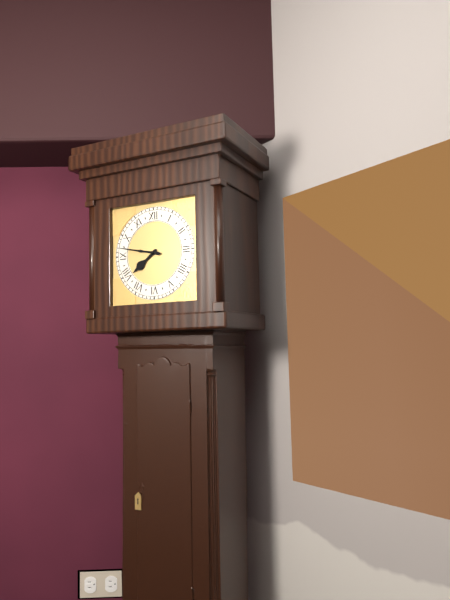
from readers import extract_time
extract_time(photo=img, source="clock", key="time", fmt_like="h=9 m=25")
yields h=7 m=47
